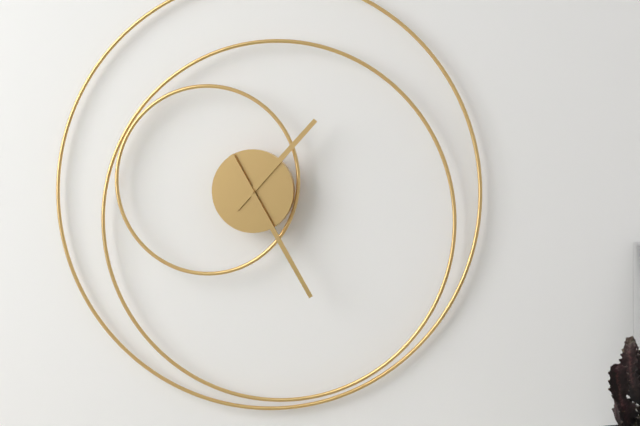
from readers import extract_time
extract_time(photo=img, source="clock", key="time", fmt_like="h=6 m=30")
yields h=1 m=25
